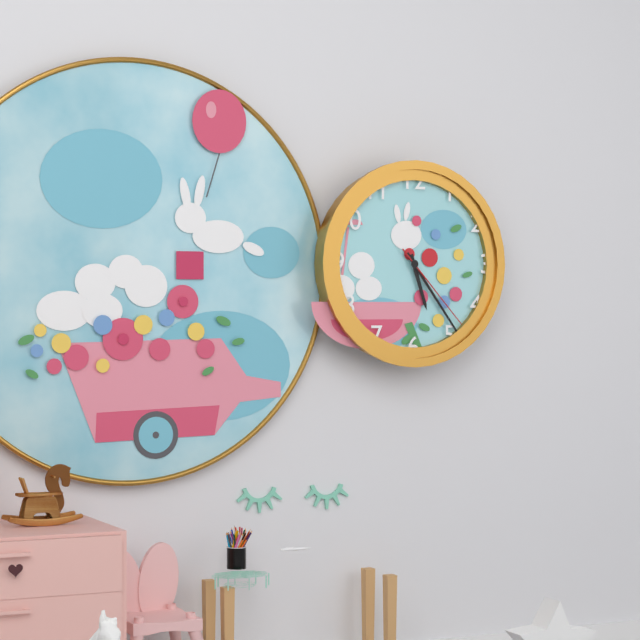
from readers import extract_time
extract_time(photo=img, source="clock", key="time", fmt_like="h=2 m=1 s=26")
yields h=5 m=24 s=23
